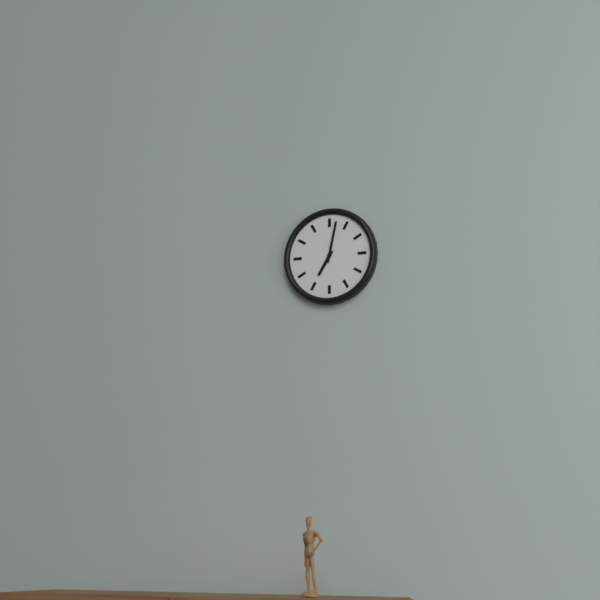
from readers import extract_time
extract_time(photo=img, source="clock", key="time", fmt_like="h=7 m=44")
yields h=7 m=2
